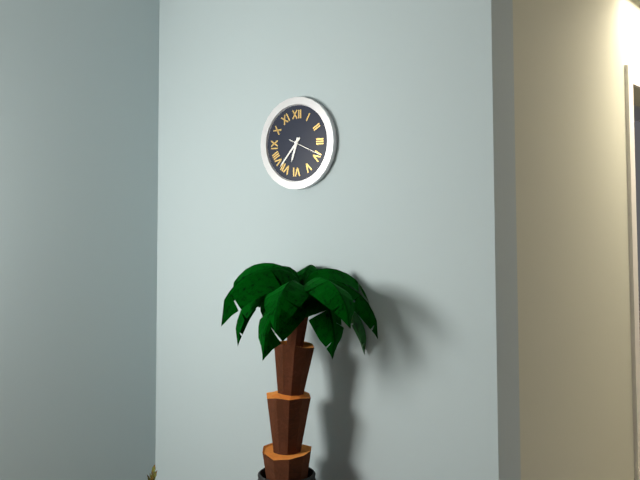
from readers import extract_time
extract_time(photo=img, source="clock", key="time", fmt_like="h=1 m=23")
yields h=6 m=37
